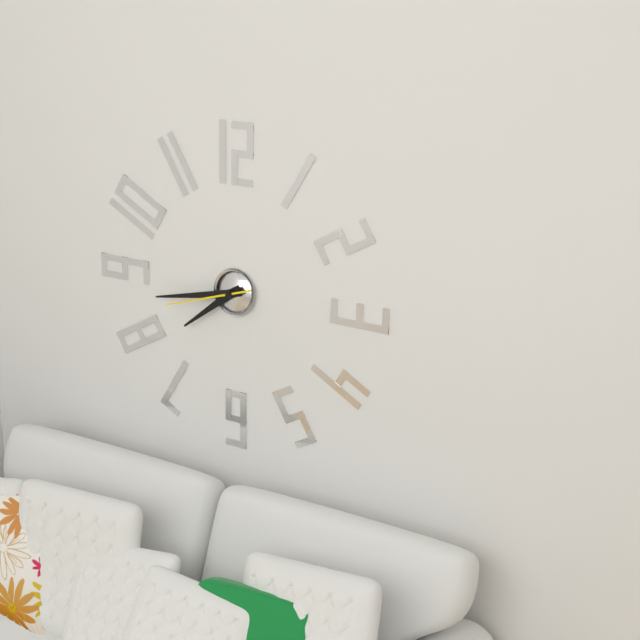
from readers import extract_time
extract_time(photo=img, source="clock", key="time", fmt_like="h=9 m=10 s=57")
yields h=7 m=43 s=42
